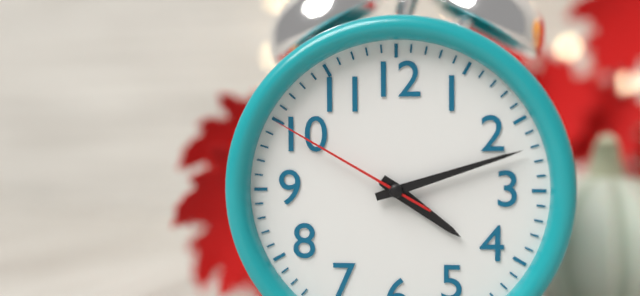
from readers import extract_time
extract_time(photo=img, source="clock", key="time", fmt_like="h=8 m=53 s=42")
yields h=4 m=12 s=50
